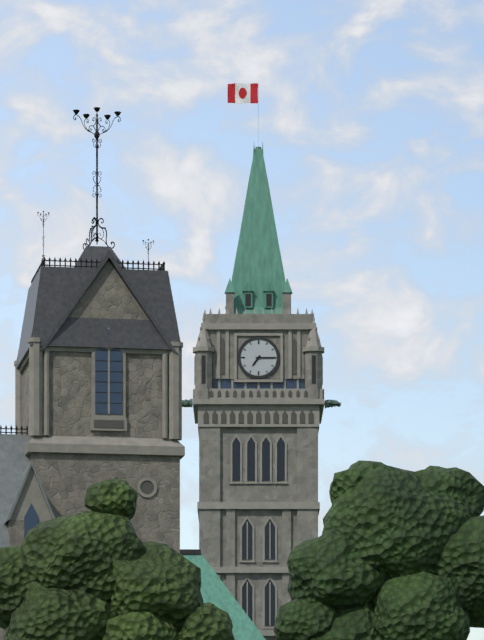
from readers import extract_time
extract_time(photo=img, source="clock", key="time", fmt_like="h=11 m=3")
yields h=7 m=15
